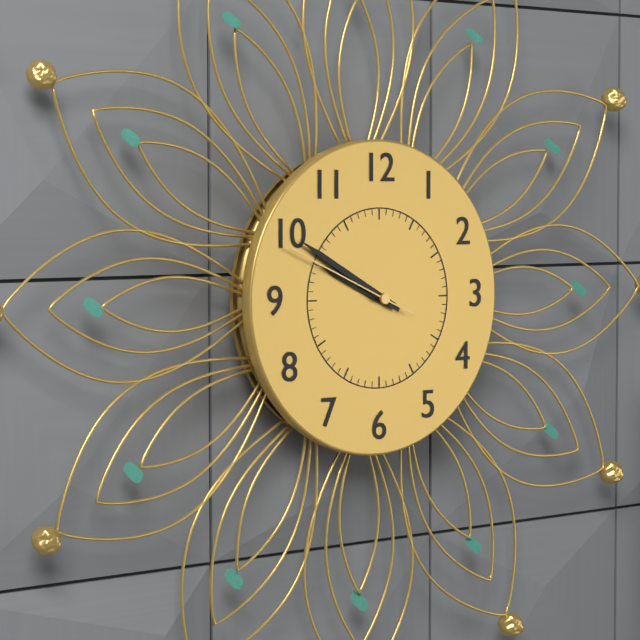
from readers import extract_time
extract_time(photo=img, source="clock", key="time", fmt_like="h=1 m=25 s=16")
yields h=9 m=50 s=49
